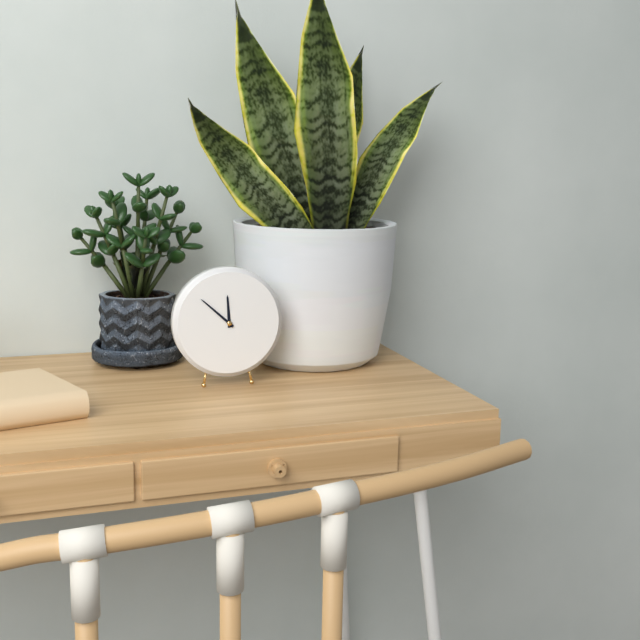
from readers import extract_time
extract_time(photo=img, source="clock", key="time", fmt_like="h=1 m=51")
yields h=11 m=52
